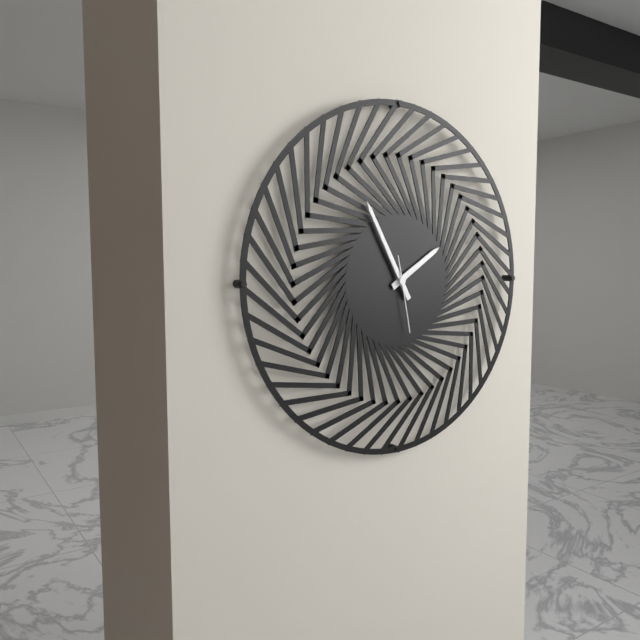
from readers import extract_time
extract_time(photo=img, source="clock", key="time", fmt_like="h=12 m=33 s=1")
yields h=1 m=55 s=28
